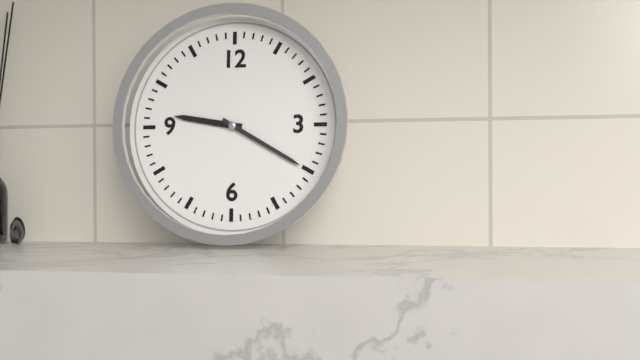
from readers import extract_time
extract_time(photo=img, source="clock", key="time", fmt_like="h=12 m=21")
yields h=9 m=20
